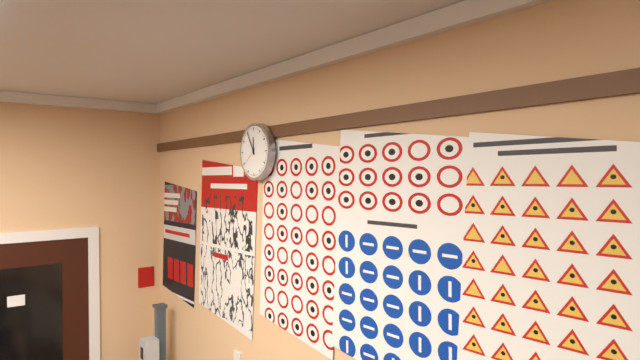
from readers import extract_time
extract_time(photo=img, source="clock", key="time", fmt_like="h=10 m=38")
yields h=11 m=55
